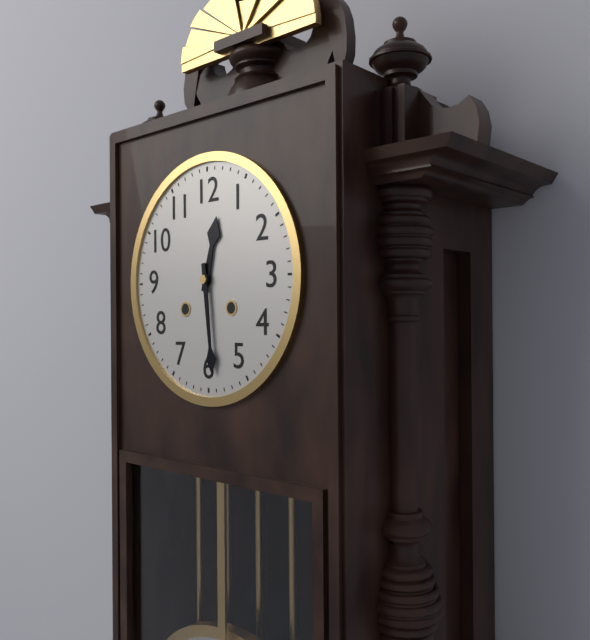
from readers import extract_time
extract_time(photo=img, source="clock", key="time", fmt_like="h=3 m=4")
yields h=12 m=29
